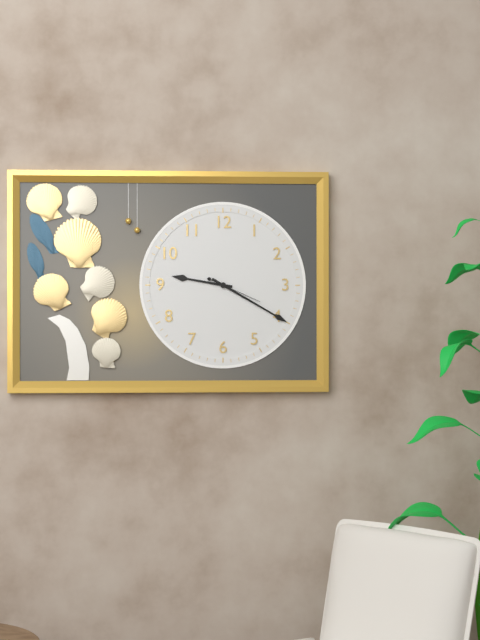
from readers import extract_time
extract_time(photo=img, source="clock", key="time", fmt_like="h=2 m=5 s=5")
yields h=9 m=20 s=19
